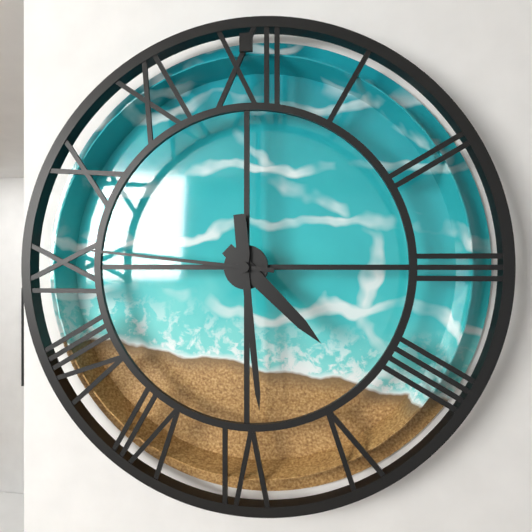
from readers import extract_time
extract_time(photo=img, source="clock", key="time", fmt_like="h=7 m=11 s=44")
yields h=4 m=29 s=46
